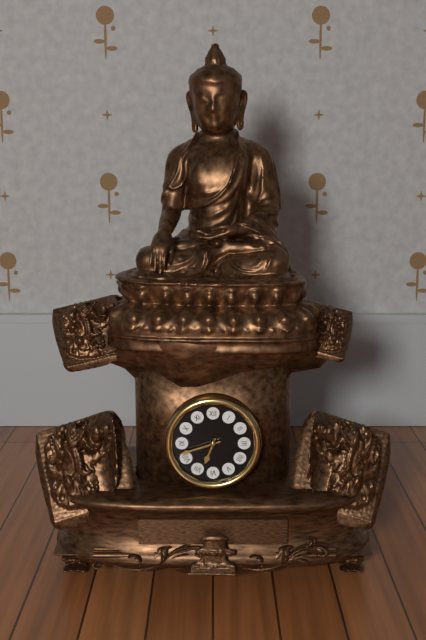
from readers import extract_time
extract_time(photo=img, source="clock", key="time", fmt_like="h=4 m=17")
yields h=6 m=42
